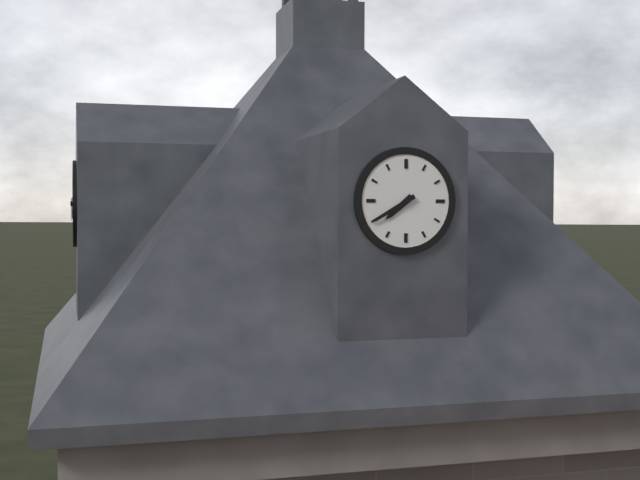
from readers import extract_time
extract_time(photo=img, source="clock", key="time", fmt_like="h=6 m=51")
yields h=7 m=40
